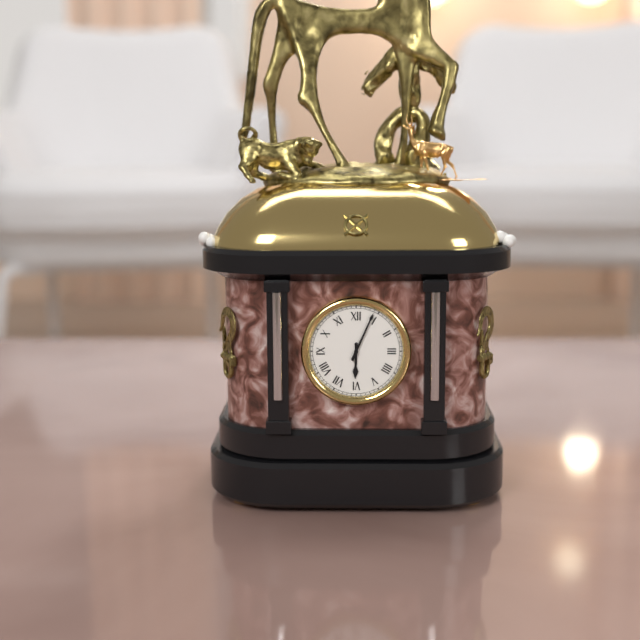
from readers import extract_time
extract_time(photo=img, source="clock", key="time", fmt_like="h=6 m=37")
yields h=6 m=4
